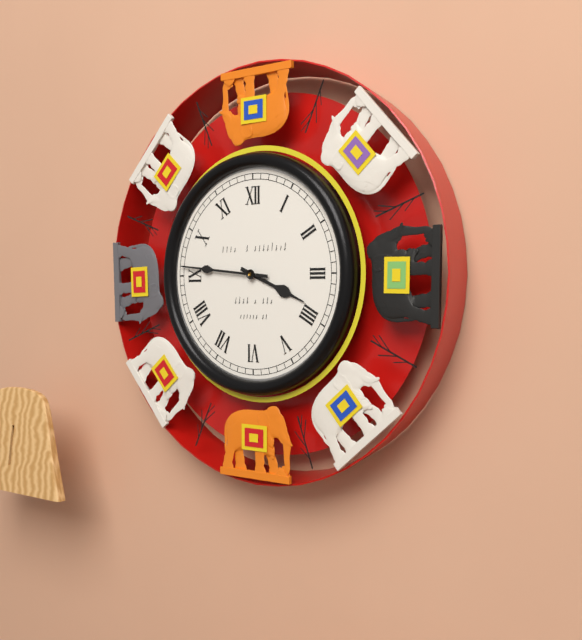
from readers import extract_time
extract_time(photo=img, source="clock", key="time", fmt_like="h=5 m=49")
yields h=3 m=46
